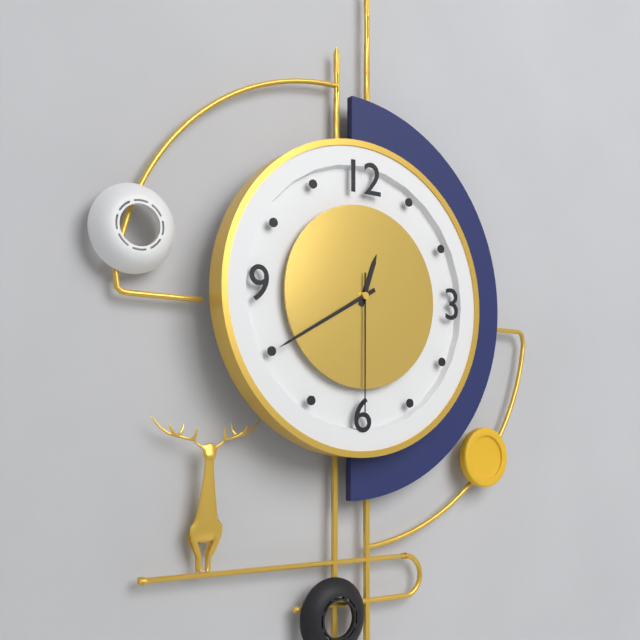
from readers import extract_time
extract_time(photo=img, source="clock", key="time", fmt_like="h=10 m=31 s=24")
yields h=12 m=40 s=30
